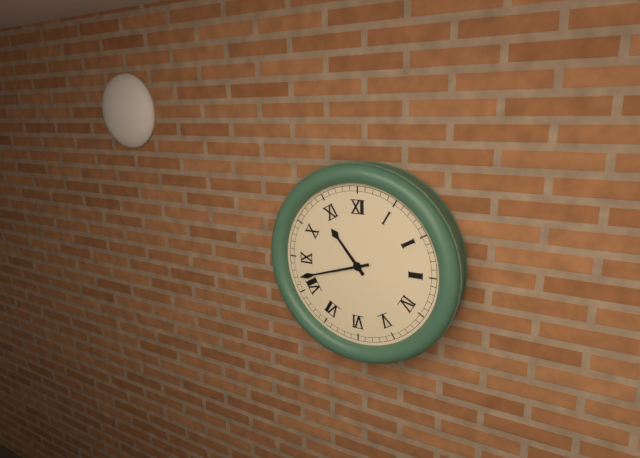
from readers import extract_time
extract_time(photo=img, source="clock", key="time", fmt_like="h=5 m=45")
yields h=10 m=42
